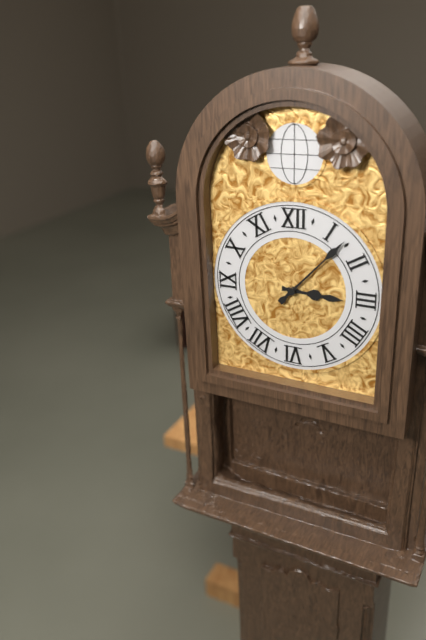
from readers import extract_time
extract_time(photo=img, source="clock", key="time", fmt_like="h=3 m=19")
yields h=3 m=7
